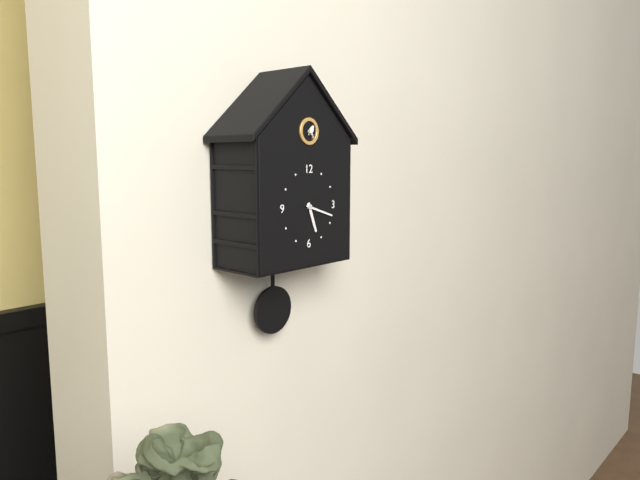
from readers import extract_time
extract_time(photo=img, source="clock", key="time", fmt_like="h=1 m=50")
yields h=5 m=18
